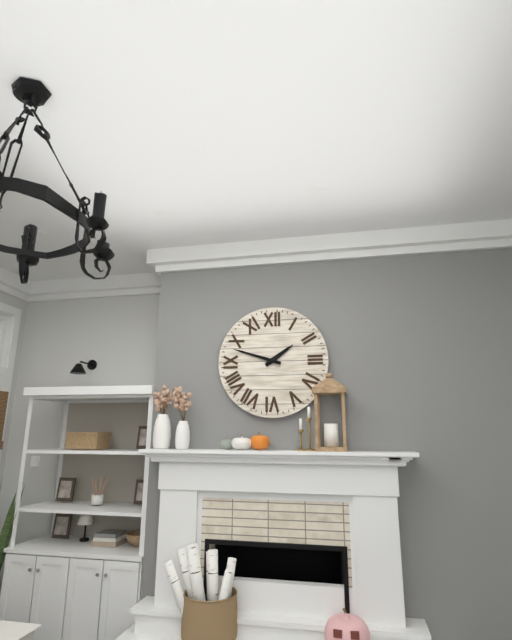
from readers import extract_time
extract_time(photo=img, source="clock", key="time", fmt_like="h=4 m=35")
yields h=1 m=48
